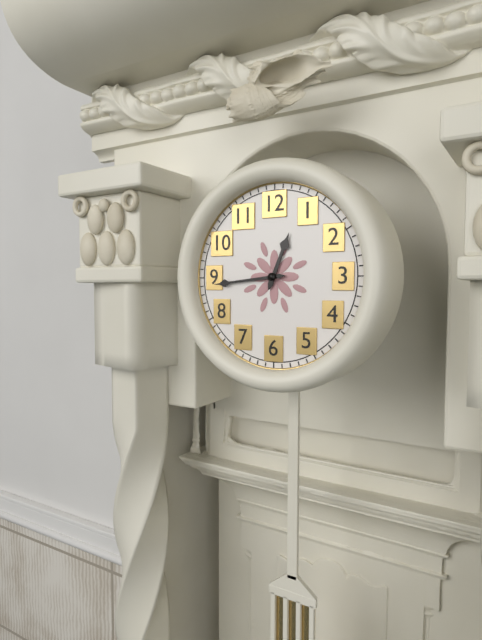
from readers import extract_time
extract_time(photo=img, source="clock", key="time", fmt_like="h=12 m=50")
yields h=12 m=44
